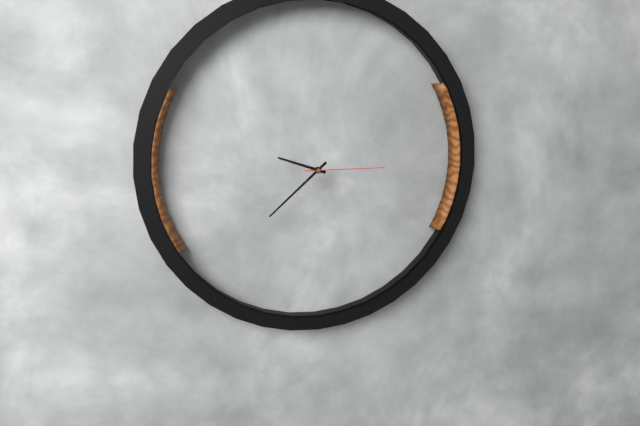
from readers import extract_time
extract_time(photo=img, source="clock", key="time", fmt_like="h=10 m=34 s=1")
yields h=9 m=38 s=15
